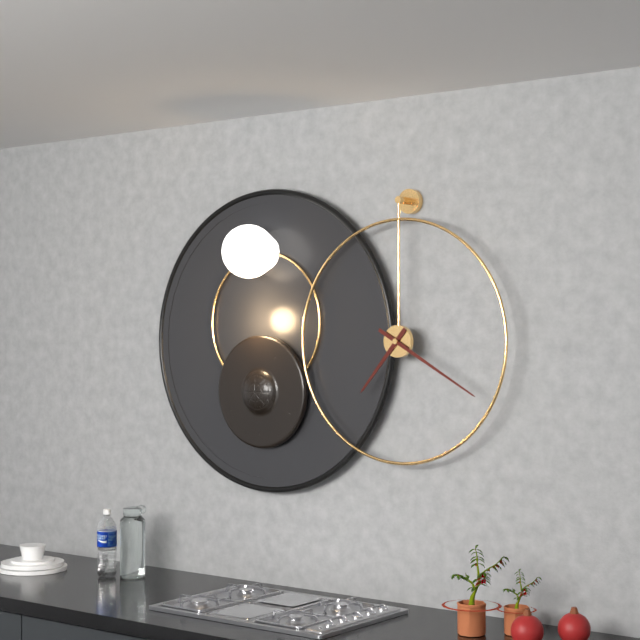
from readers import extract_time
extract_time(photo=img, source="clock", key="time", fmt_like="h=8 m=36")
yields h=7 m=20
